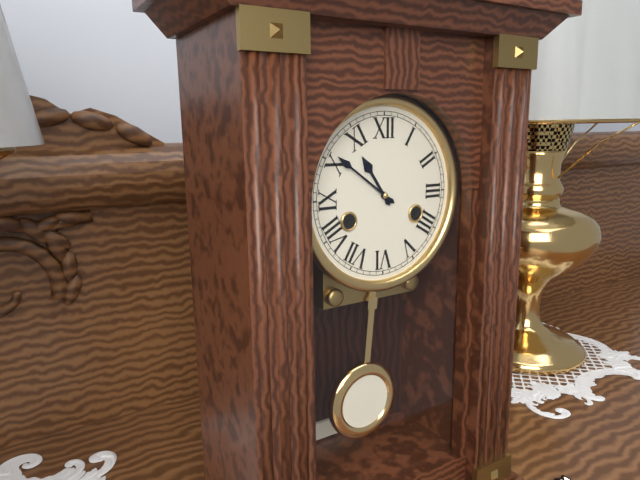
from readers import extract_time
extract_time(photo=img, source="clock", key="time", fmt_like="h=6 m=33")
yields h=10 m=51
